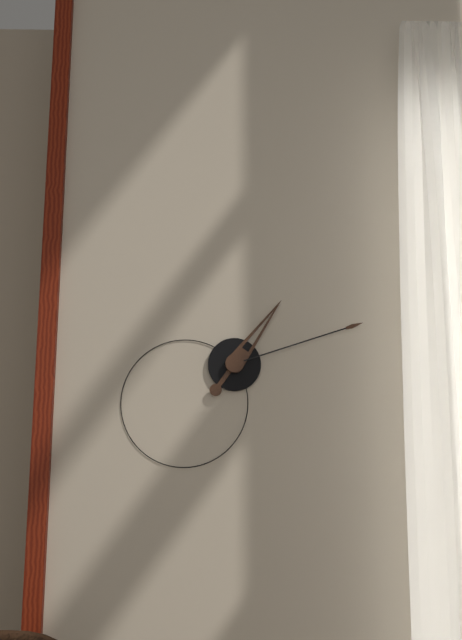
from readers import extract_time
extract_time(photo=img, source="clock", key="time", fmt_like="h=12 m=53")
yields h=1 m=12
